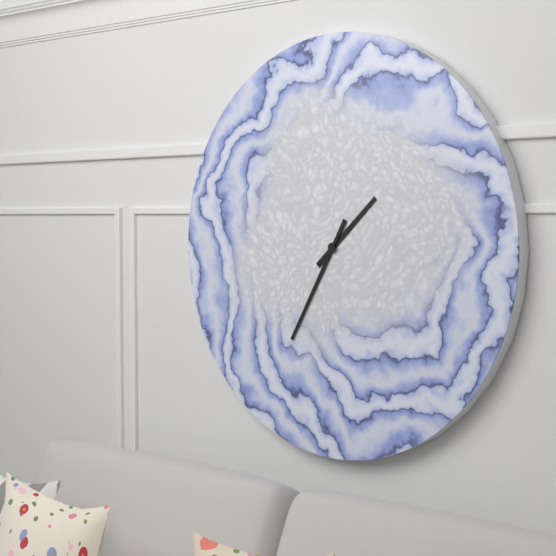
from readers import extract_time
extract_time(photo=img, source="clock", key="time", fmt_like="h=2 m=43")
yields h=1 m=35
